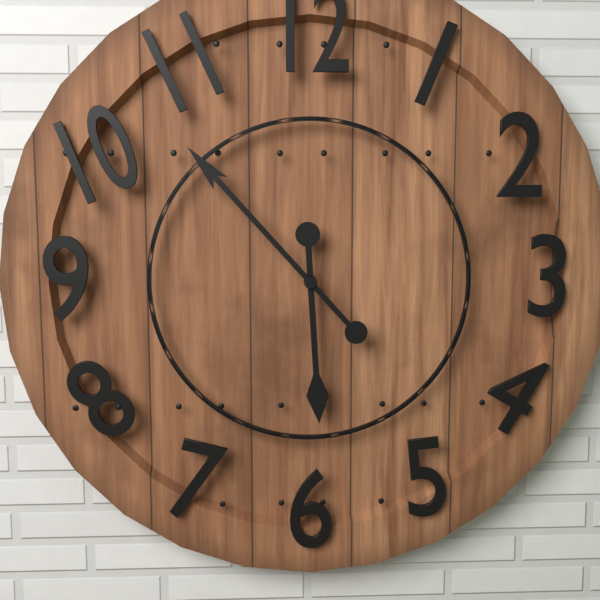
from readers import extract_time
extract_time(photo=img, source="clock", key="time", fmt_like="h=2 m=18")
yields h=5 m=53
